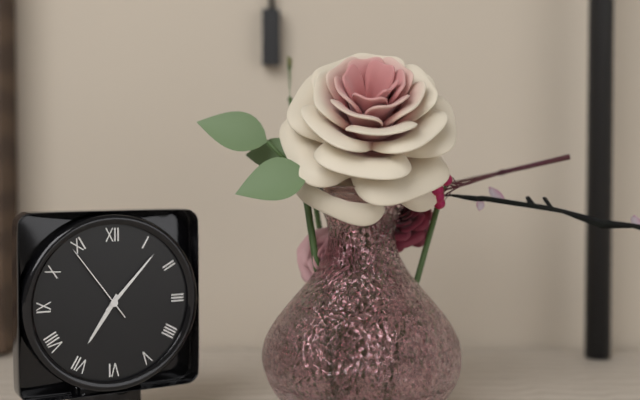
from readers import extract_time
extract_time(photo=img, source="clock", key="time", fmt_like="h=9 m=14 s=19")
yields h=7 m=7 s=54
